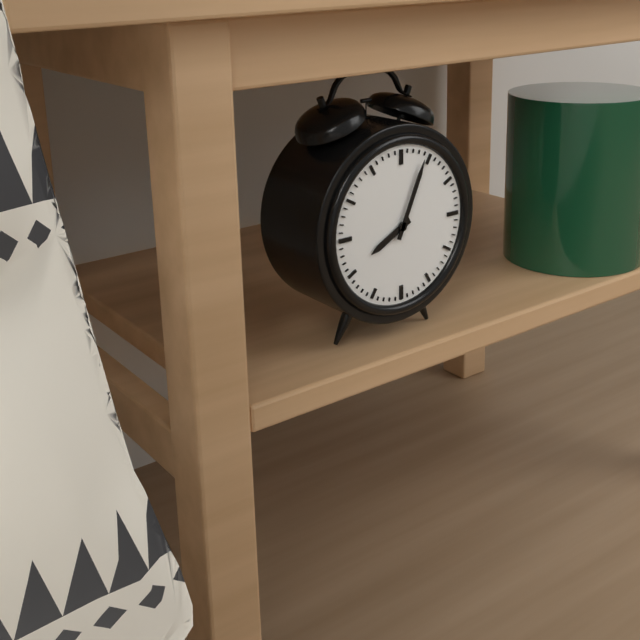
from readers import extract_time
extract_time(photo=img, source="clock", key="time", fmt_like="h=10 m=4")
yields h=8 m=4
